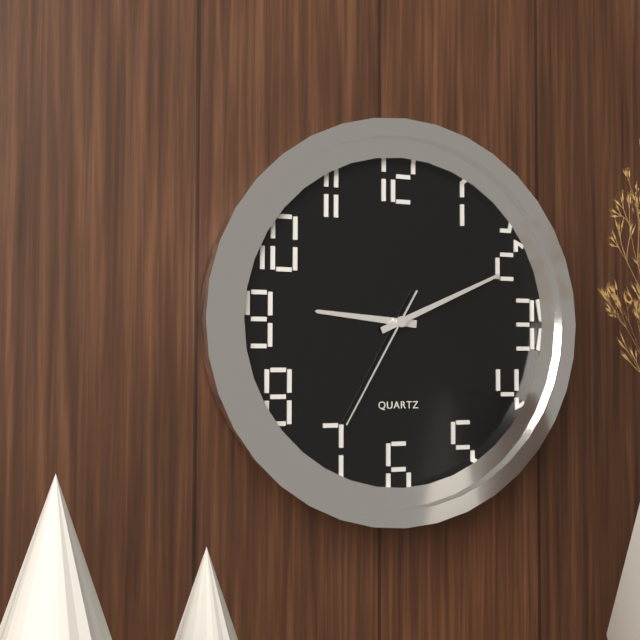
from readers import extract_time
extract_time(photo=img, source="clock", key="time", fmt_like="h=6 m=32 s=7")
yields h=9 m=11 s=35
